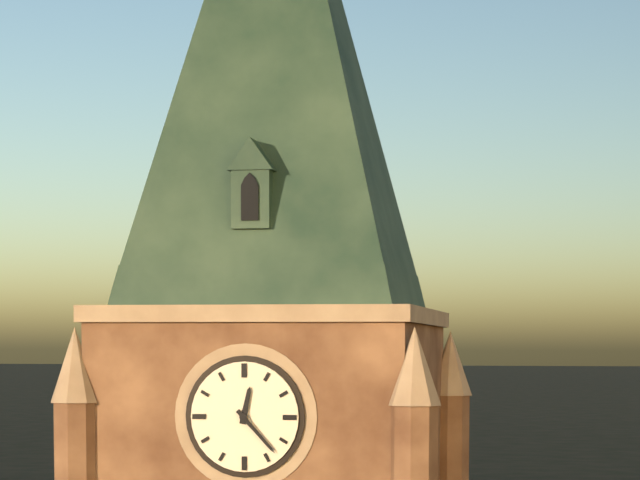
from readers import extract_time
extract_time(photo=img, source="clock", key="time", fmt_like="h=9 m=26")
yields h=12 m=23
